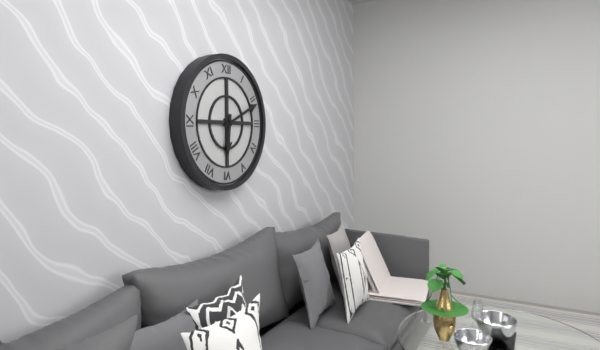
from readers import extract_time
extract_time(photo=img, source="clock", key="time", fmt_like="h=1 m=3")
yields h=6 m=11
